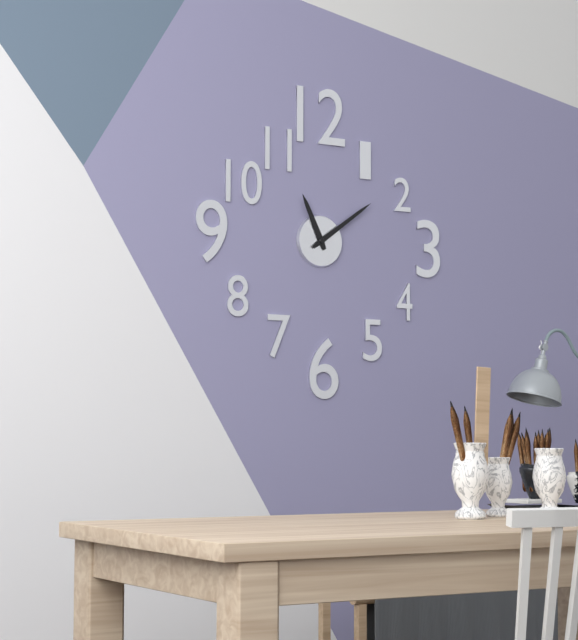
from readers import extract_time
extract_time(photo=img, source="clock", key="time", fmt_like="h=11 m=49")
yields h=11 m=9
